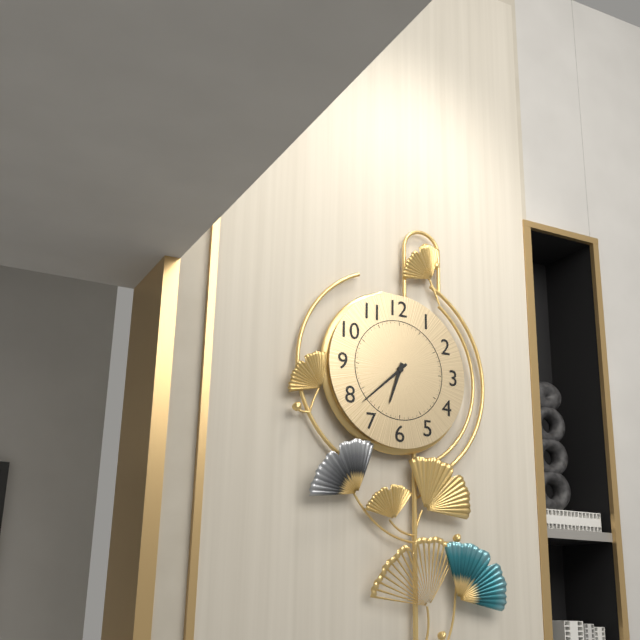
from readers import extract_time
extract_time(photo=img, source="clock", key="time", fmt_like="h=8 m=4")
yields h=6 m=38
